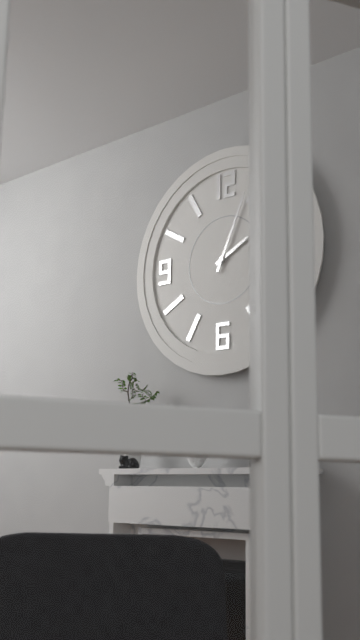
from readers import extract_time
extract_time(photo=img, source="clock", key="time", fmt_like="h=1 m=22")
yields h=2 m=4
